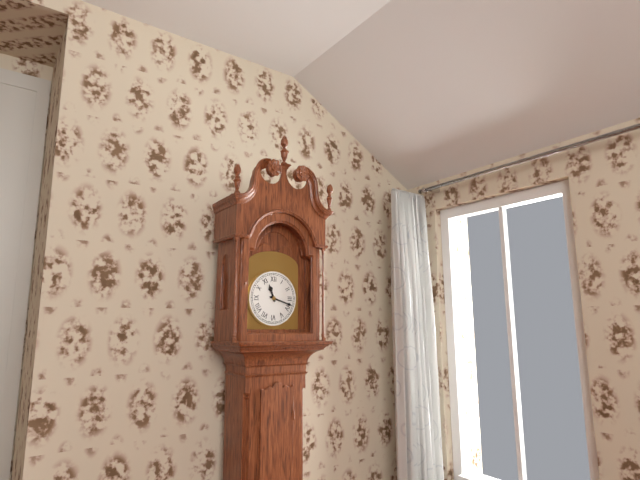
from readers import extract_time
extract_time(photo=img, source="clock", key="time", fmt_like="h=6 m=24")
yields h=11 m=18
